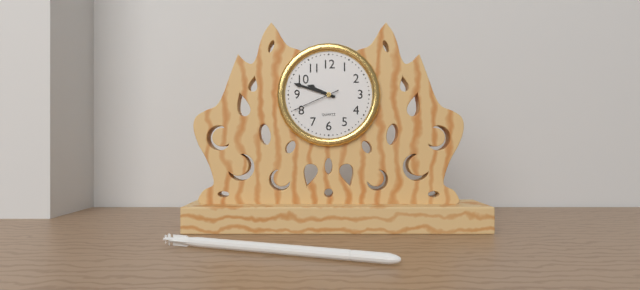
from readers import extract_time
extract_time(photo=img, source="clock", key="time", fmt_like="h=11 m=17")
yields h=9 m=48
